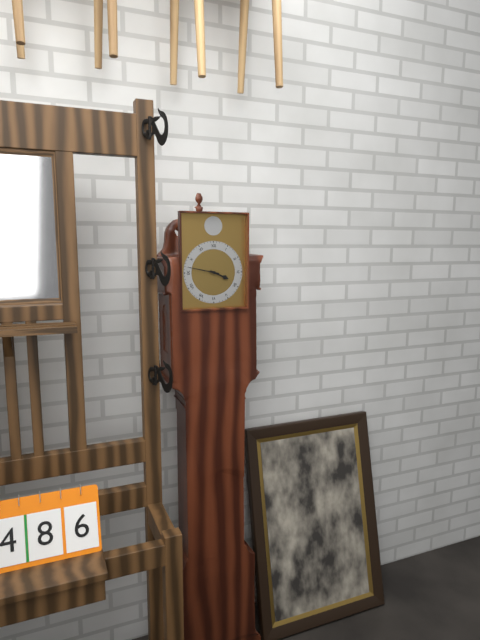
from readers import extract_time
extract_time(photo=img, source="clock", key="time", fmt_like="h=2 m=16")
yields h=3 m=47
